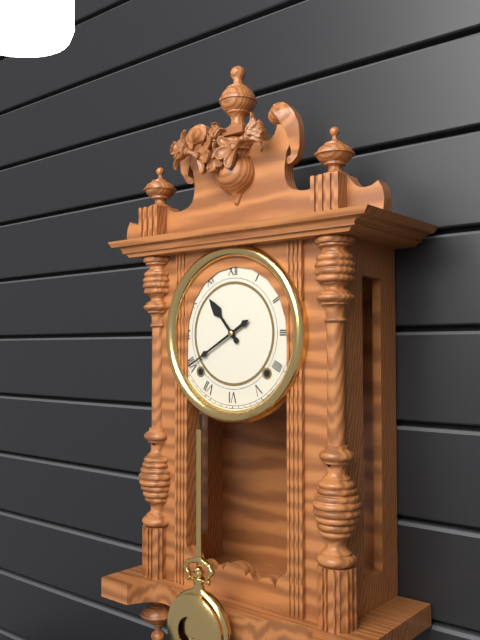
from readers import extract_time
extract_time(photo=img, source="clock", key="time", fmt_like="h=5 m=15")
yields h=10 m=40
